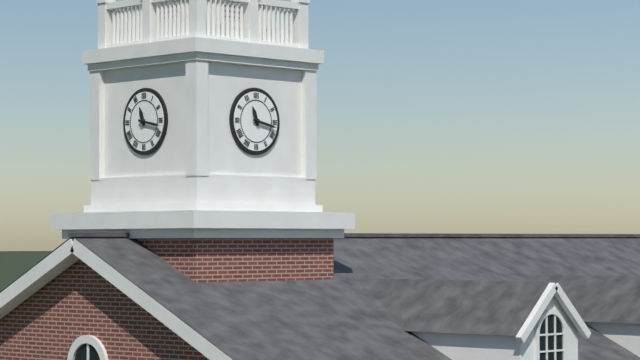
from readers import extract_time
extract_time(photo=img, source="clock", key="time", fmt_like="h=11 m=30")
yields h=11 m=17
